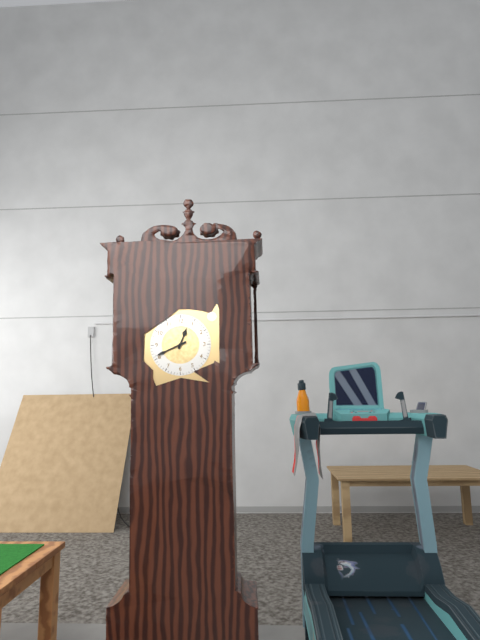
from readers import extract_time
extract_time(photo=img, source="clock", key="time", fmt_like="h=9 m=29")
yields h=12 m=41
